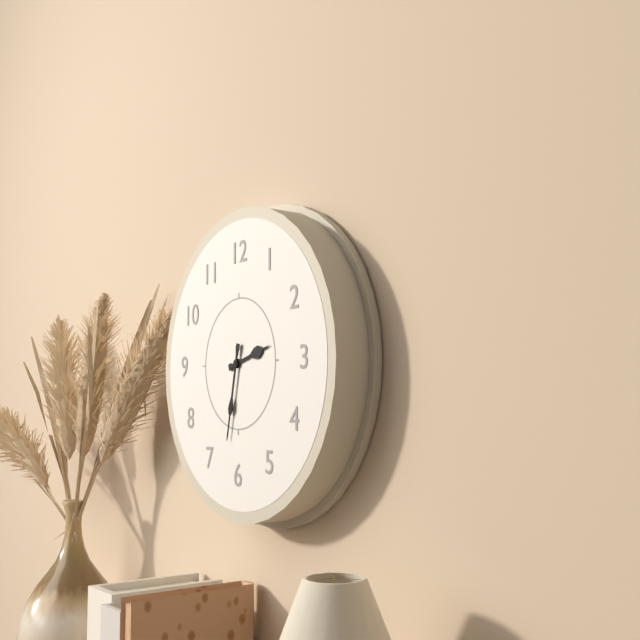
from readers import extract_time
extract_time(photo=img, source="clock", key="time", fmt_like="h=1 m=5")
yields h=2 m=32
